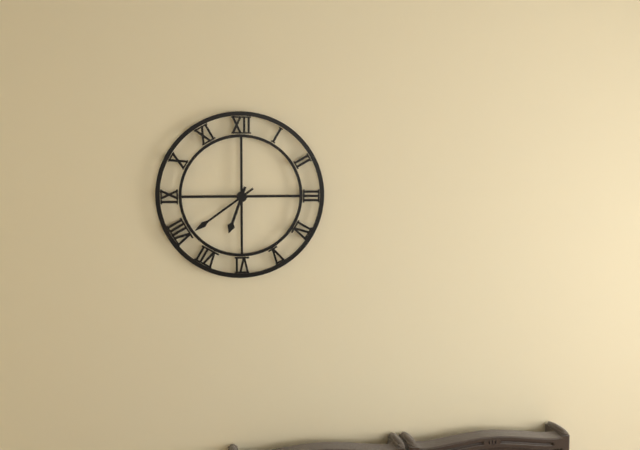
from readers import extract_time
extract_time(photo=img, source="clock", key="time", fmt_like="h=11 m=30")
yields h=6 m=39
